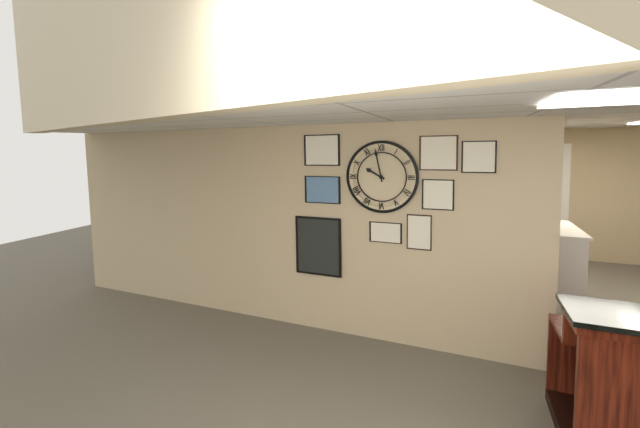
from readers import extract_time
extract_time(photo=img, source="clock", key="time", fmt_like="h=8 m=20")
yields h=9 m=58
